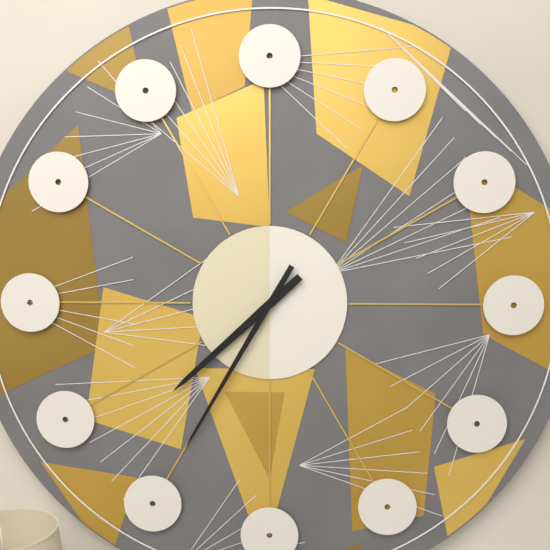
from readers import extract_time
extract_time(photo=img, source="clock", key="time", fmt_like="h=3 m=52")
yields h=7 m=35
